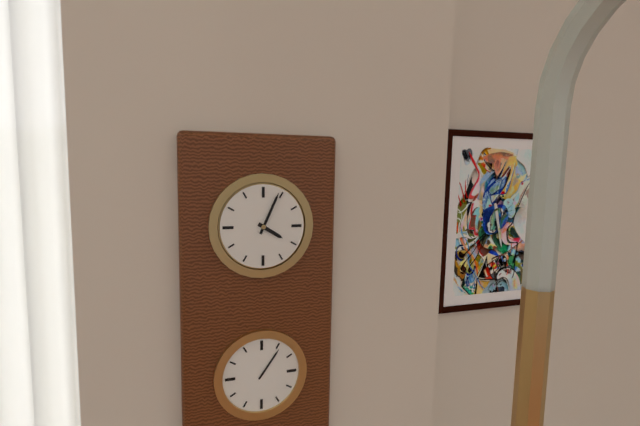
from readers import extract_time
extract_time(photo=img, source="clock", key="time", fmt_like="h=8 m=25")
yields h=4 m=4
